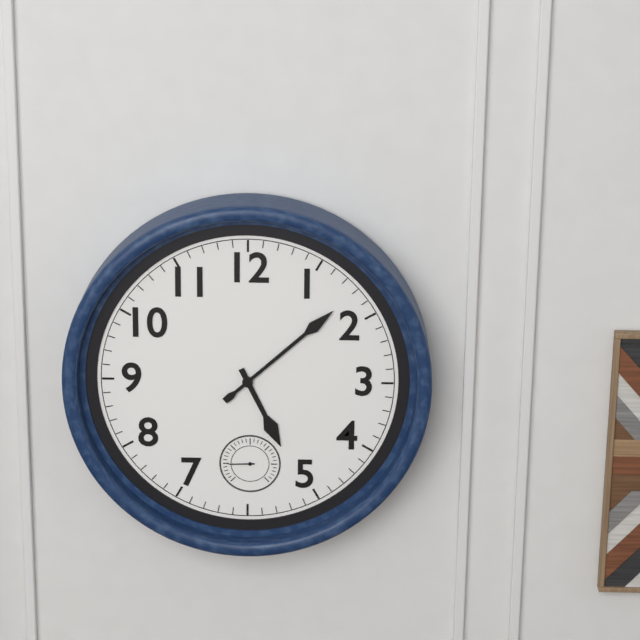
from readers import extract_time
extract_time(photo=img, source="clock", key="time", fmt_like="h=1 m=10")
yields h=5 m=8
